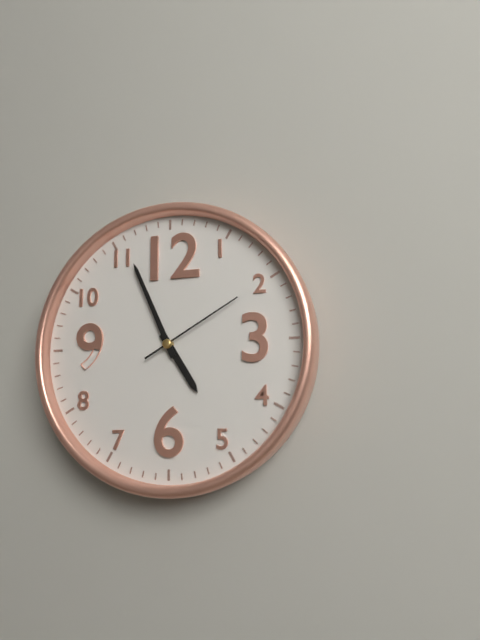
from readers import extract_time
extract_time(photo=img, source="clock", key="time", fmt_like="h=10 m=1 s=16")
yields h=4 m=56 s=10
